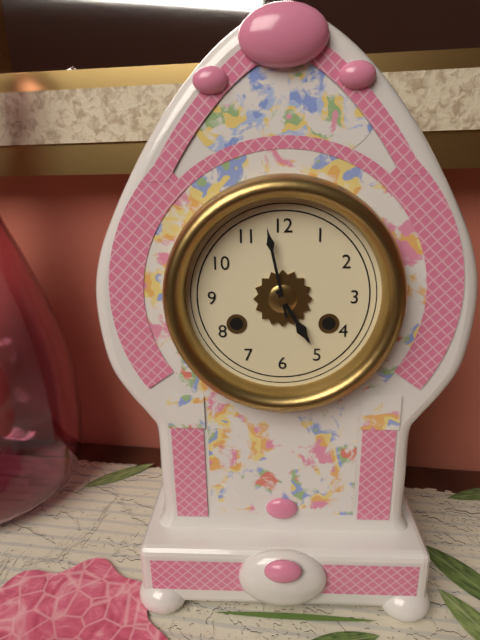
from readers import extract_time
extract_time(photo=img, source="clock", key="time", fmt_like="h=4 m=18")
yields h=4 m=58
